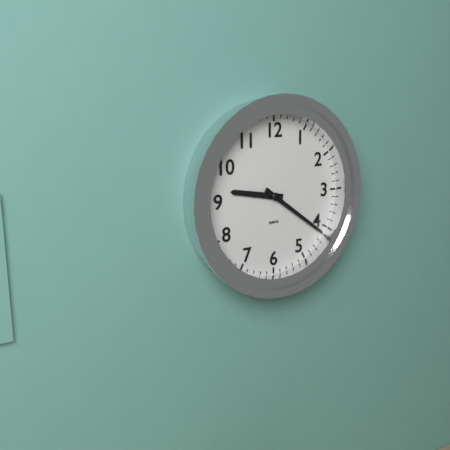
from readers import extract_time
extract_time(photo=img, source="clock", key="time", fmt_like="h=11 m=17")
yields h=9 m=21
